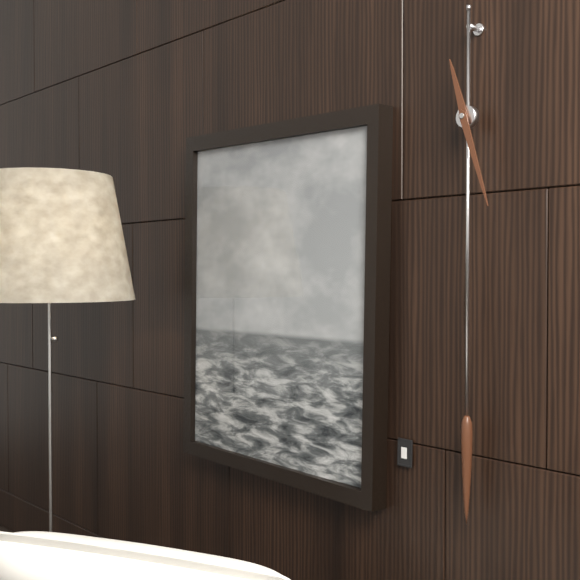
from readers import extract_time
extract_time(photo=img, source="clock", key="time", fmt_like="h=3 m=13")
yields h=11 m=27
